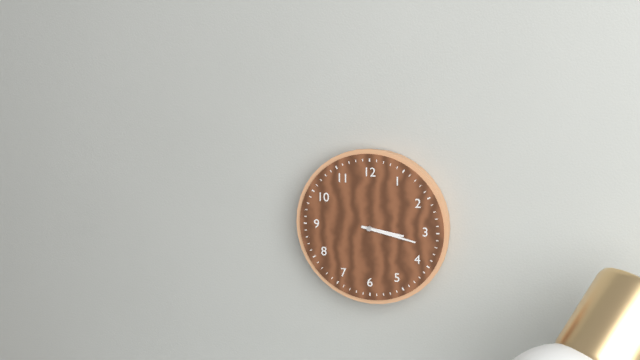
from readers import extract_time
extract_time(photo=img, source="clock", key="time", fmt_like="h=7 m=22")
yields h=3 m=17
